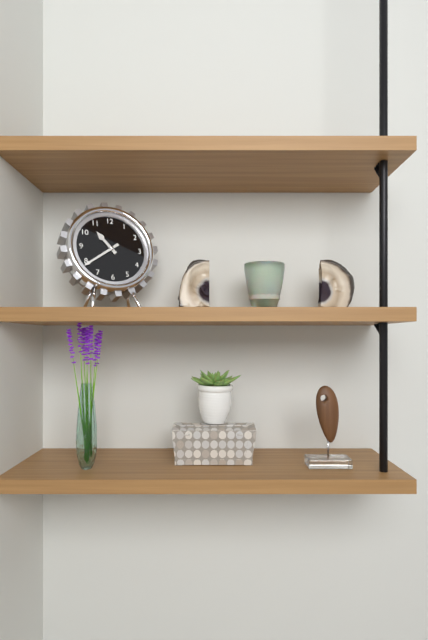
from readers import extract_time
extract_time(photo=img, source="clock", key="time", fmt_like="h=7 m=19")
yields h=10 m=39
